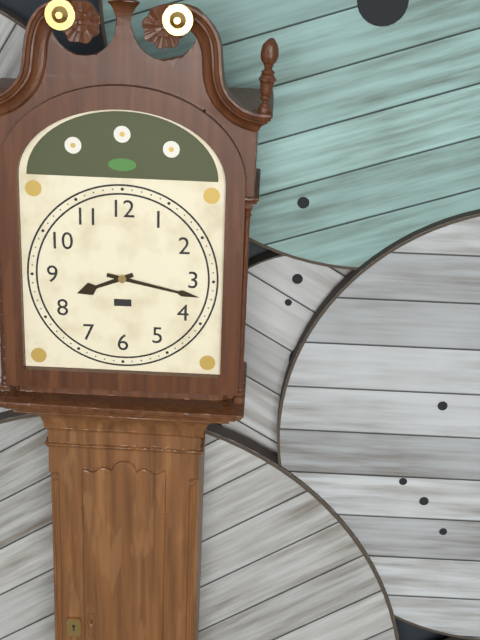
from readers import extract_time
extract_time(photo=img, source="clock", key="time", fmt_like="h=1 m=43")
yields h=8 m=17
